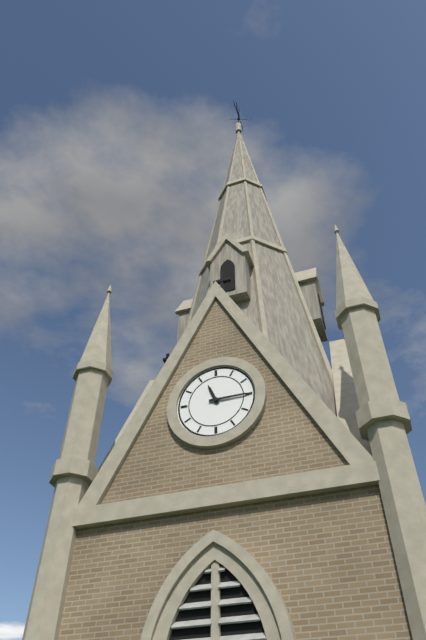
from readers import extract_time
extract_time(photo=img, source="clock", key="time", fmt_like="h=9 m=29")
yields h=11 m=15
